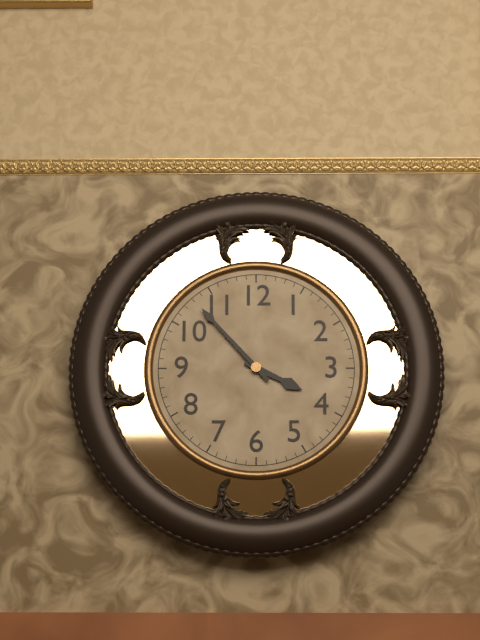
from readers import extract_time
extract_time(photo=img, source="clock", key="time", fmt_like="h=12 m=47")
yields h=3 m=53
